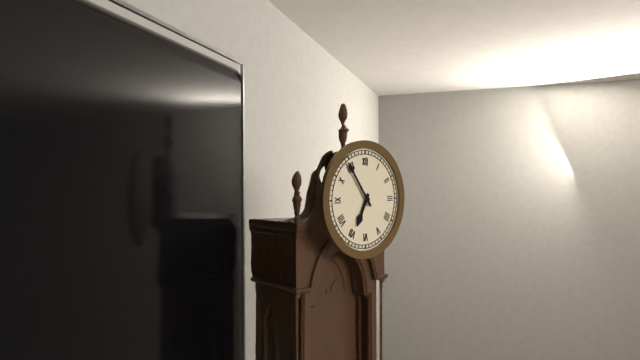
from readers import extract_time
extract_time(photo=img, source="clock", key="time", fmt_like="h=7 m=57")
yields h=6 m=54
